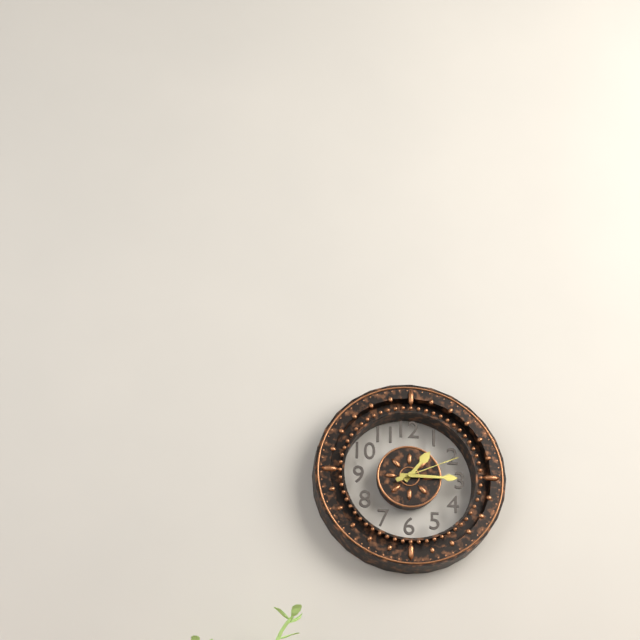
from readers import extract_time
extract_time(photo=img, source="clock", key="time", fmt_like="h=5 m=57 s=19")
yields h=1 m=15 s=11
